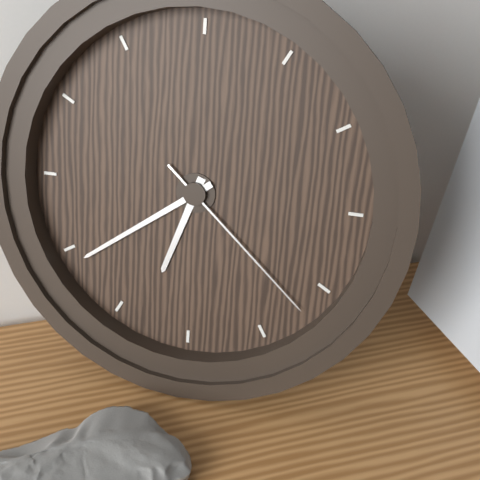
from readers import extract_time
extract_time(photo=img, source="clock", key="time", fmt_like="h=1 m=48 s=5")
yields h=6 m=39 s=22
